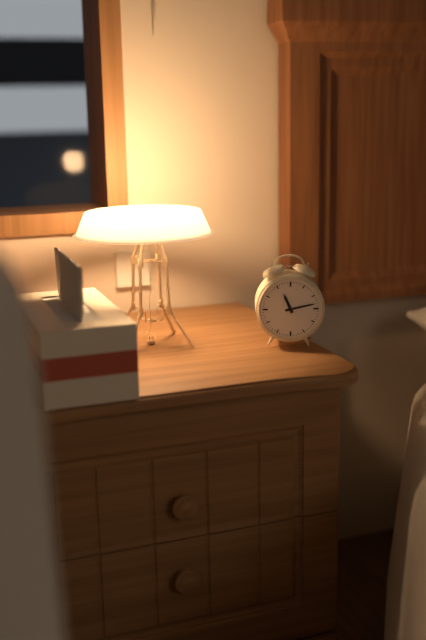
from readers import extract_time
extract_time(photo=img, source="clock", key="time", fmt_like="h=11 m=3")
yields h=11 m=13
